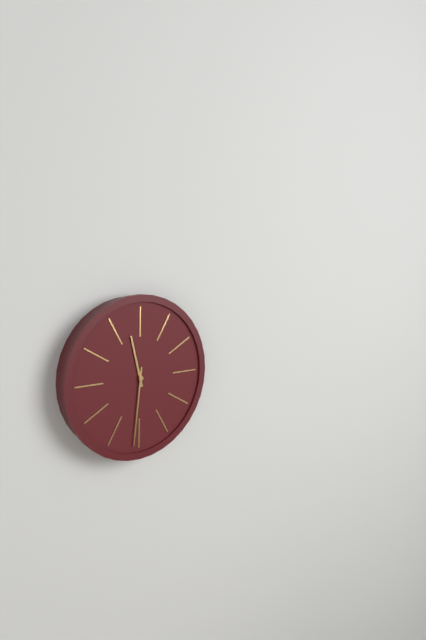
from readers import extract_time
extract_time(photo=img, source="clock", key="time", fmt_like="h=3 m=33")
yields h=11 m=31
